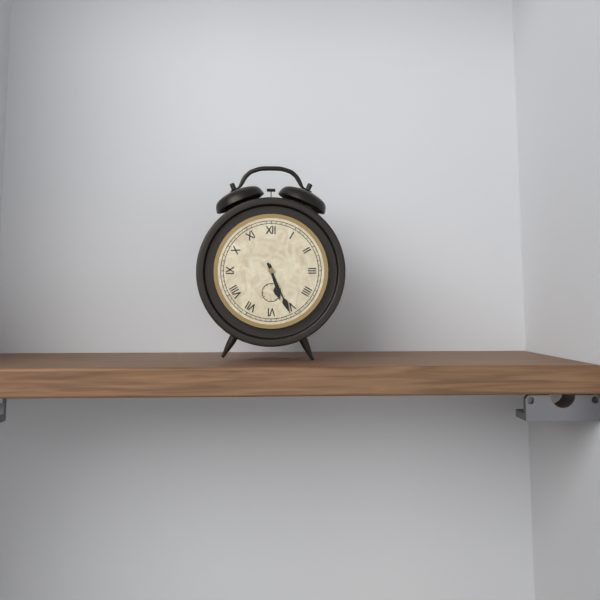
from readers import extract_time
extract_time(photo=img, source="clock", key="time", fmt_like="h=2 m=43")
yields h=5 m=26
